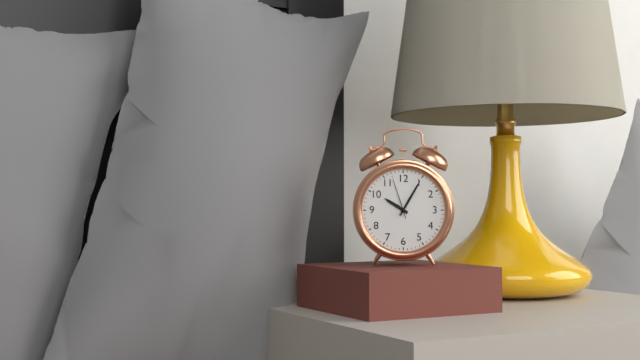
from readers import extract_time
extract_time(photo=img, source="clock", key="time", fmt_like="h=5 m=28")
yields h=10 m=5
